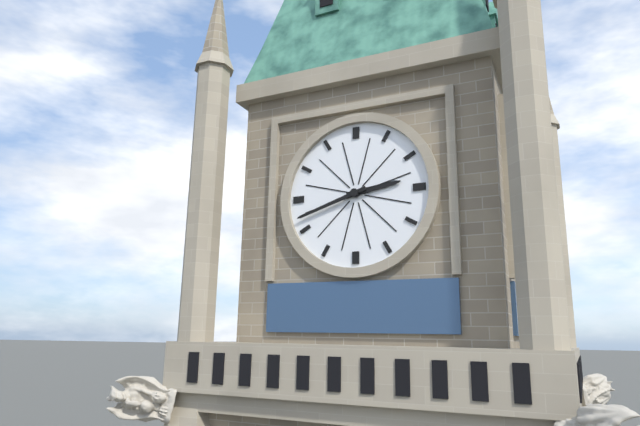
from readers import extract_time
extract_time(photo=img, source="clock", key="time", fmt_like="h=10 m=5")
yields h=2 m=42
